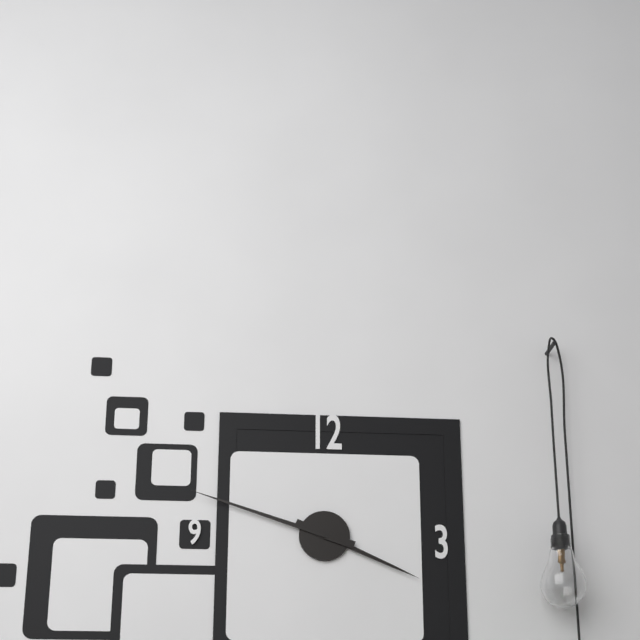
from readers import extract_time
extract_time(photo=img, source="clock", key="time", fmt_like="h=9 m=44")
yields h=3 m=48
